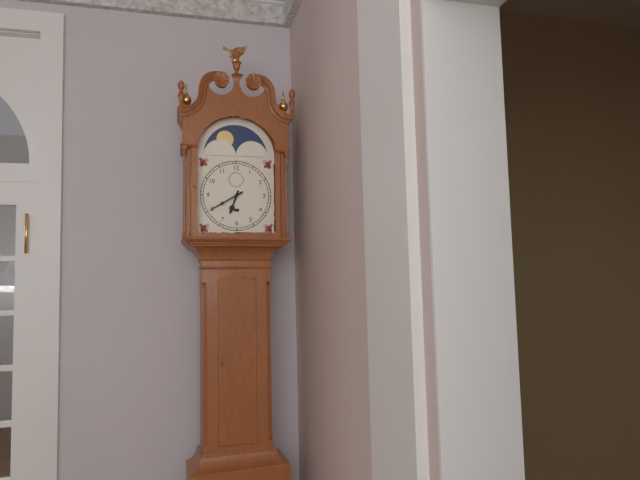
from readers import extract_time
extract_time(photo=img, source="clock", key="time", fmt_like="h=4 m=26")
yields h=6 m=40
